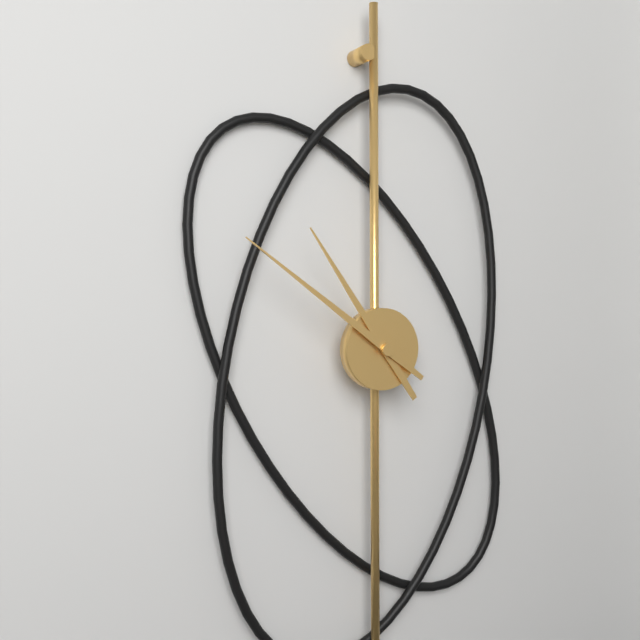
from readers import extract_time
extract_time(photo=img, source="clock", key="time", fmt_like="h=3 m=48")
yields h=10 m=51
